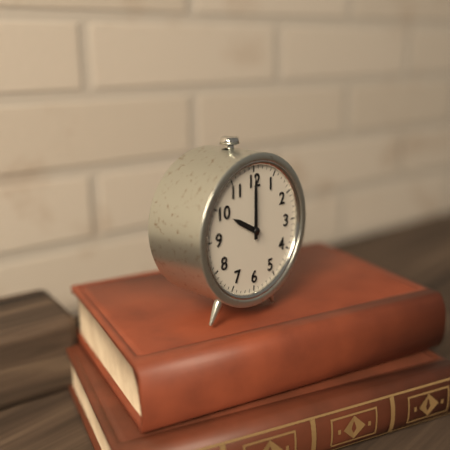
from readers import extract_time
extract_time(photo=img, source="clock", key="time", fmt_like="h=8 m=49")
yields h=10 m=0
